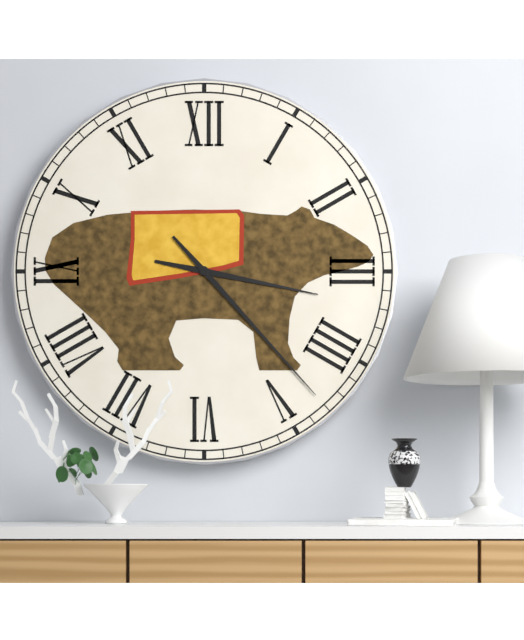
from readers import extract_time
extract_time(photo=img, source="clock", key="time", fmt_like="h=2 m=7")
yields h=3 m=23
